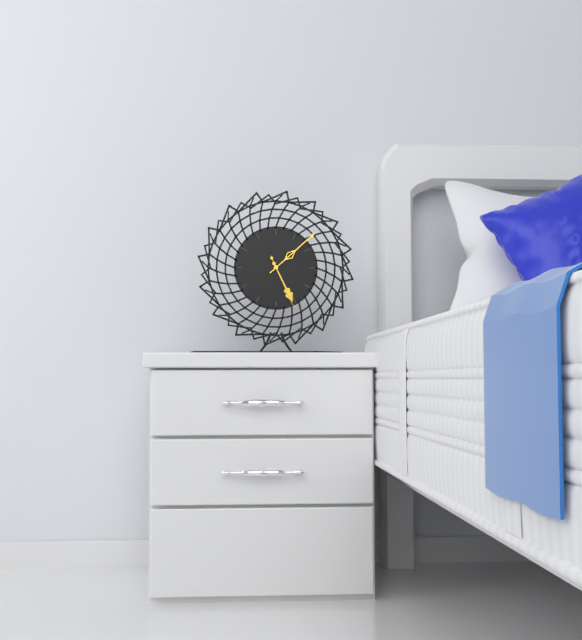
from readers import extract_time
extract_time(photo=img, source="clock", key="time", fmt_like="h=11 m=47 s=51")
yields h=5 m=8 s=26
